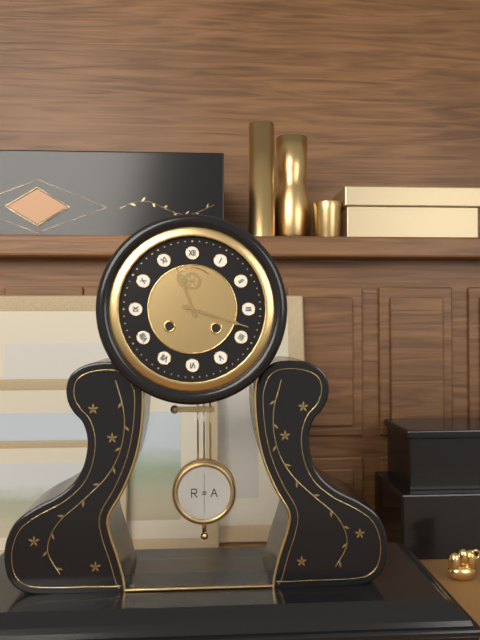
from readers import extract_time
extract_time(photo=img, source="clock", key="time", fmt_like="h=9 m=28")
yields h=11 m=18
